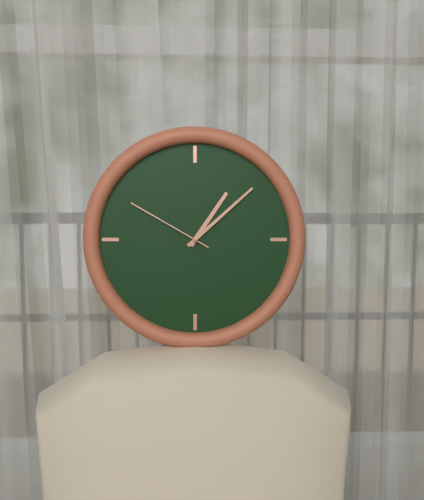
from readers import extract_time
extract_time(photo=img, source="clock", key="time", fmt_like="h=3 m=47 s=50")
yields h=1 m=8 s=50
